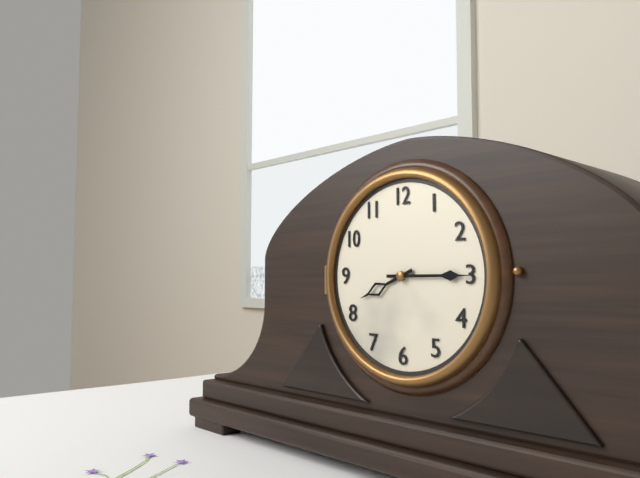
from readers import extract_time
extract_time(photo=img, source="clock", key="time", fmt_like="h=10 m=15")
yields h=8 m=15
